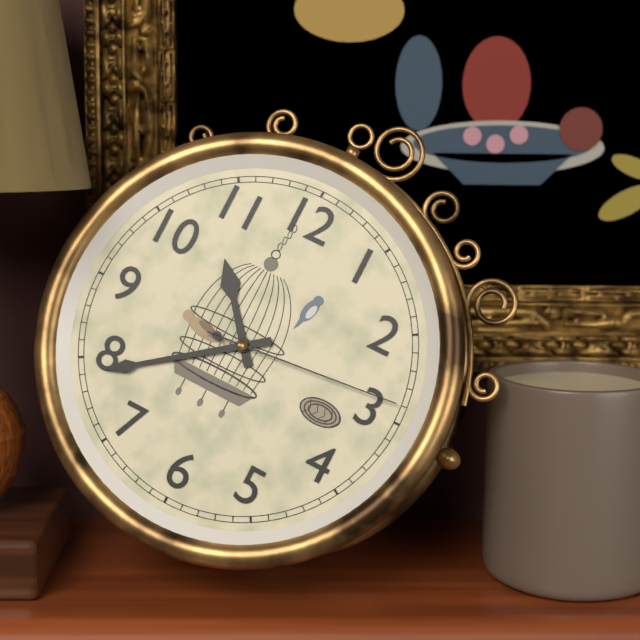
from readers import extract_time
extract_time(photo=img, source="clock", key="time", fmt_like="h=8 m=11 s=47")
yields h=10 m=39 s=14
